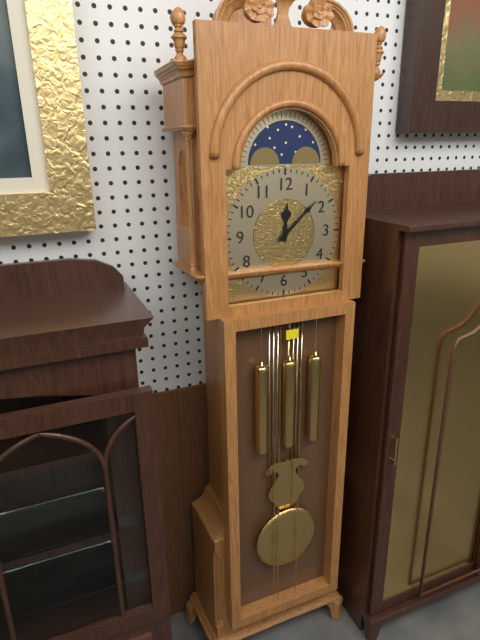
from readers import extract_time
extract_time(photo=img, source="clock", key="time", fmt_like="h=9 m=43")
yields h=12 m=8
